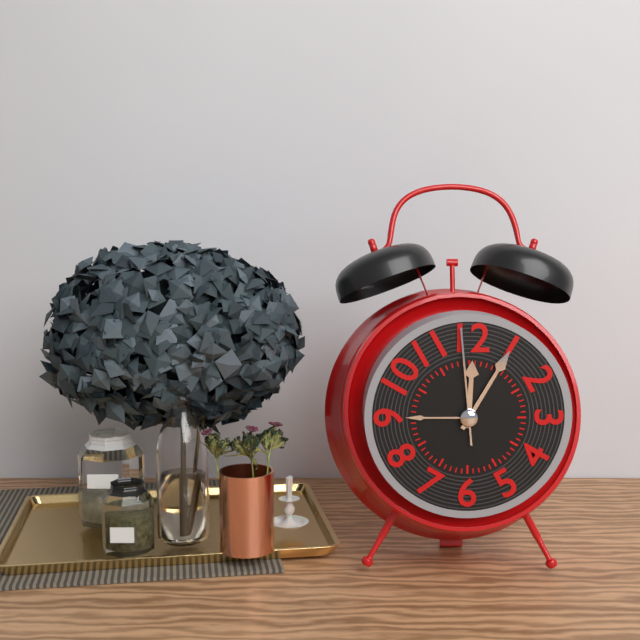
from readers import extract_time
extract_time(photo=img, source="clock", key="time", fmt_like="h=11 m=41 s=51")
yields h=12 m=5 s=59
